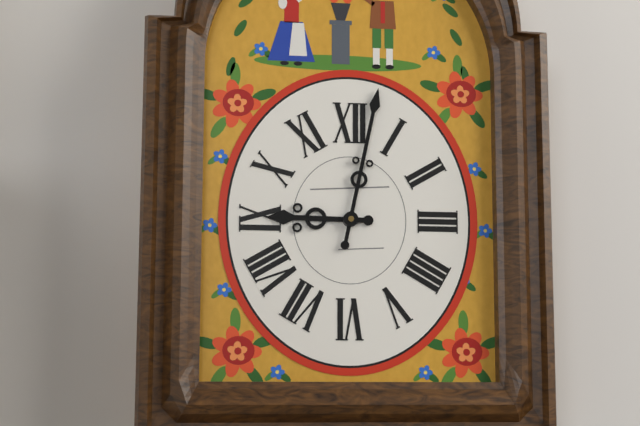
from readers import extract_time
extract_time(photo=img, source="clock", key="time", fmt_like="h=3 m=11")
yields h=9 m=2
